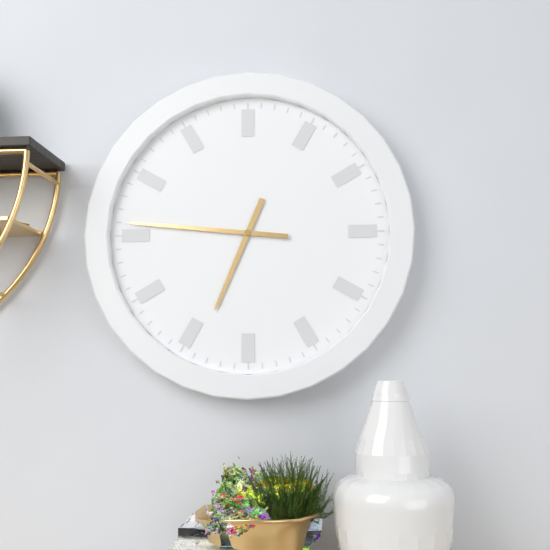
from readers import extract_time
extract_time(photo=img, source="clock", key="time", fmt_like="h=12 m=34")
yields h=6 m=46
